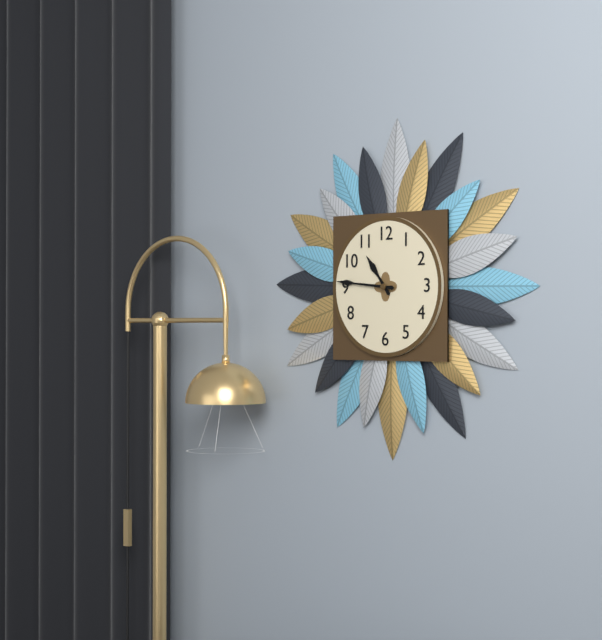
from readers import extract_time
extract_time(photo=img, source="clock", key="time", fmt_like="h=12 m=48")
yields h=10 m=46
